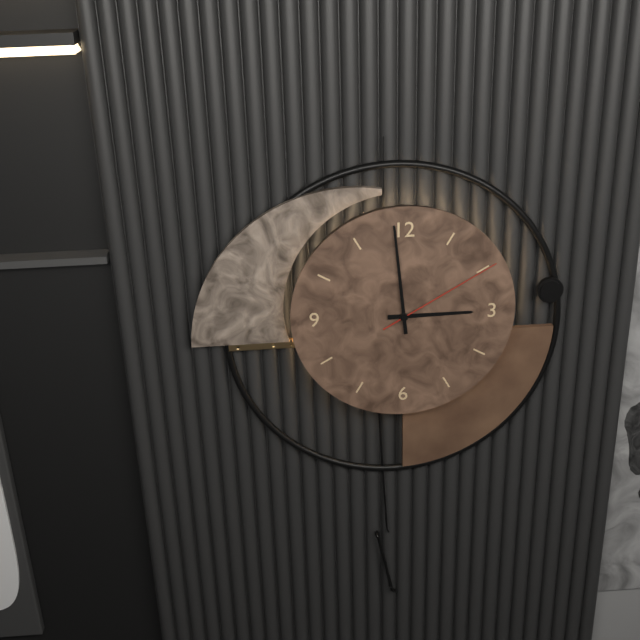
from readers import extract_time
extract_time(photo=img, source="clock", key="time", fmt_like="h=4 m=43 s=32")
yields h=2 m=59 s=10
